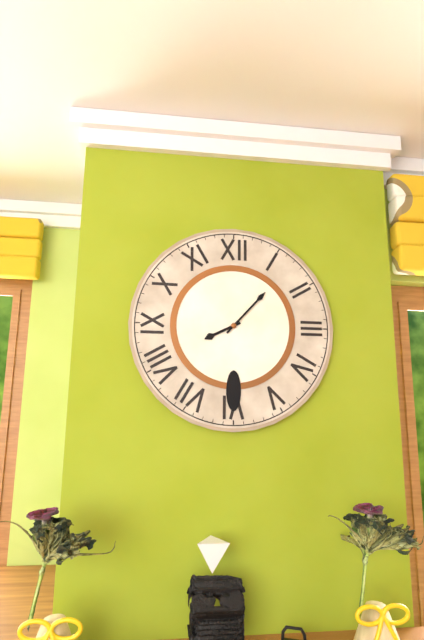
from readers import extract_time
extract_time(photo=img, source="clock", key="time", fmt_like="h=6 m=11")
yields h=8 m=7
